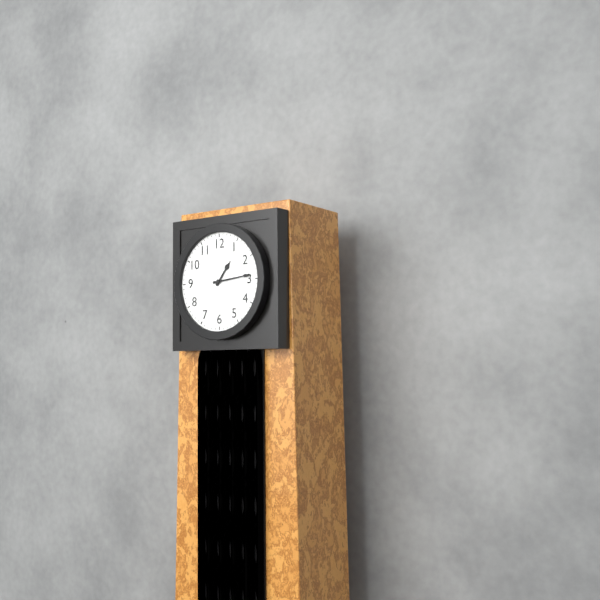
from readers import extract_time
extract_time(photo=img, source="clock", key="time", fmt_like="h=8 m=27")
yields h=1 m=14
